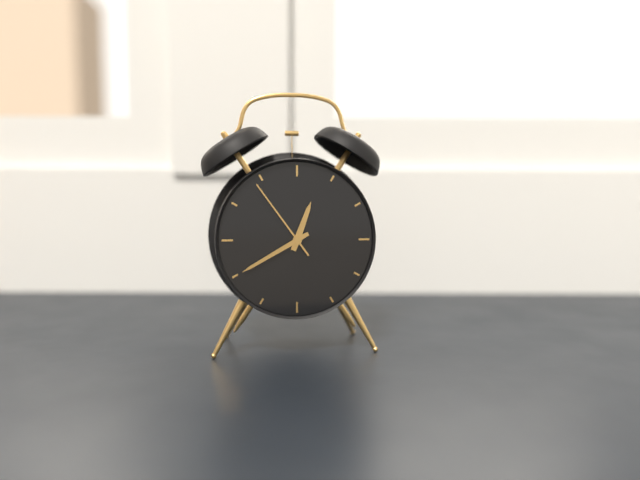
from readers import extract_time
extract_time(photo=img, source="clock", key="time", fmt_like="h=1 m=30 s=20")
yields h=12 m=40 s=54
